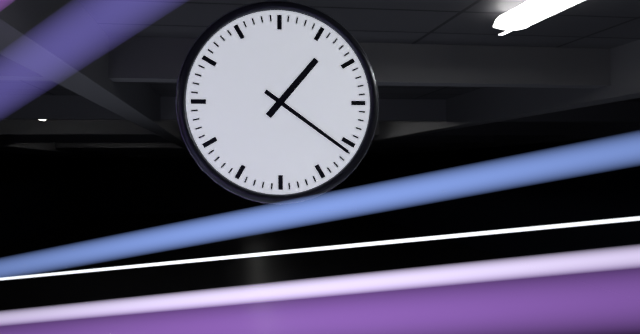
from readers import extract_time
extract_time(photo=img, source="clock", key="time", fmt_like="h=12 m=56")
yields h=1 m=21
